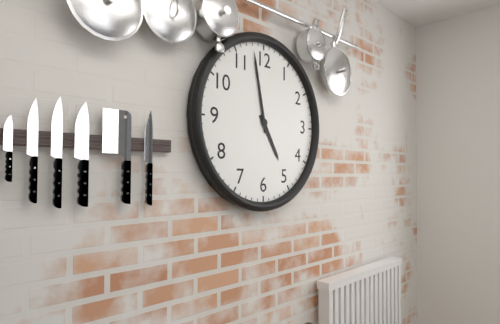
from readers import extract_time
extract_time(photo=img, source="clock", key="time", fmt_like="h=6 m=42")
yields h=4 m=58
